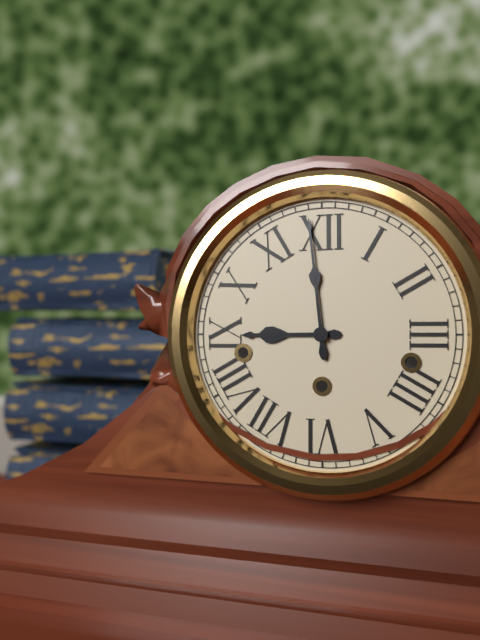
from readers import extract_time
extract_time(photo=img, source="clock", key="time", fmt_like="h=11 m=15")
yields h=8 m=59
